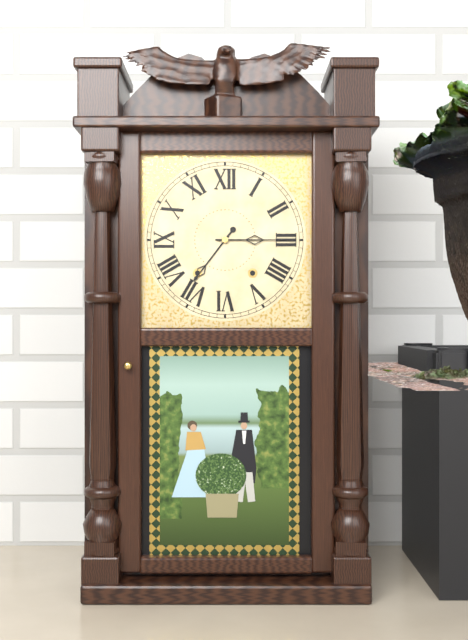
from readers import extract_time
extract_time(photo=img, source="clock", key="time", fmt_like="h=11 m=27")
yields h=7 m=15
